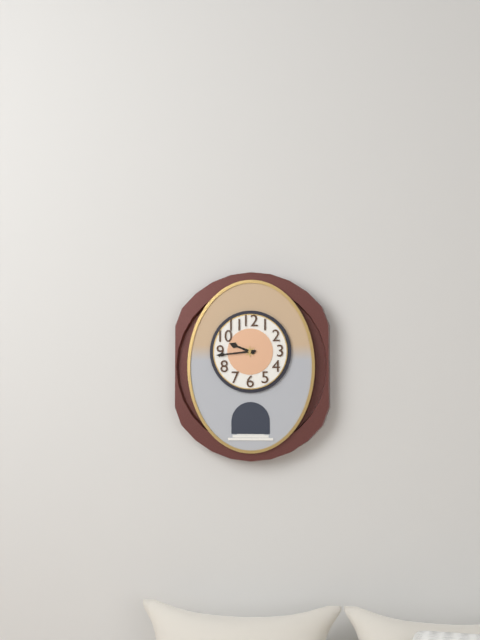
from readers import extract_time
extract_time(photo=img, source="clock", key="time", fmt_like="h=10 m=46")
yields h=9 m=44
